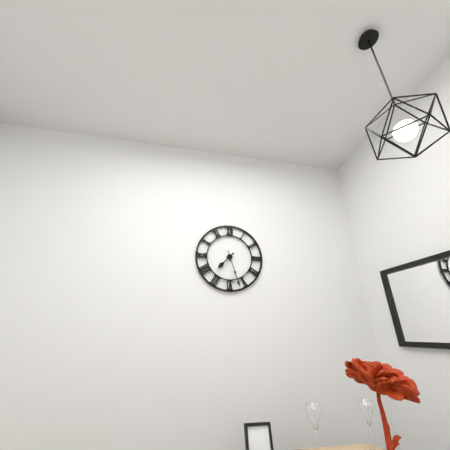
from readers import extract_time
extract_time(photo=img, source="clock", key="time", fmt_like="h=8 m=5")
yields h=7 m=27
